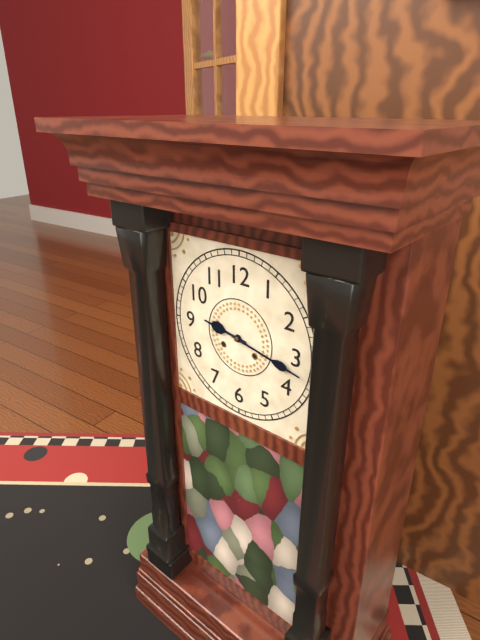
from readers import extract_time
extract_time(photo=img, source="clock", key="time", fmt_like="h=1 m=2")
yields h=9 m=17
